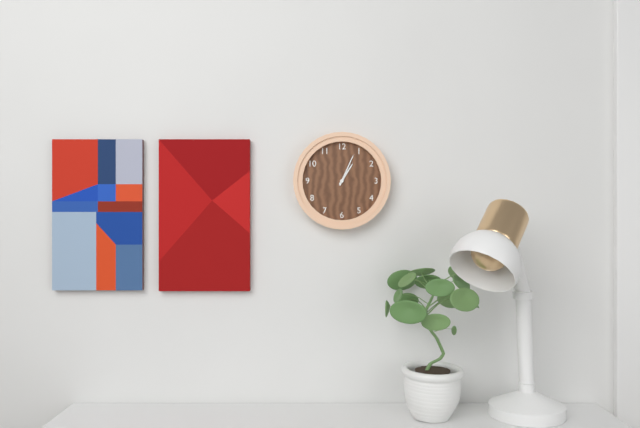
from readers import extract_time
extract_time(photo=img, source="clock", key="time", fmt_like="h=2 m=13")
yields h=1 m=4
